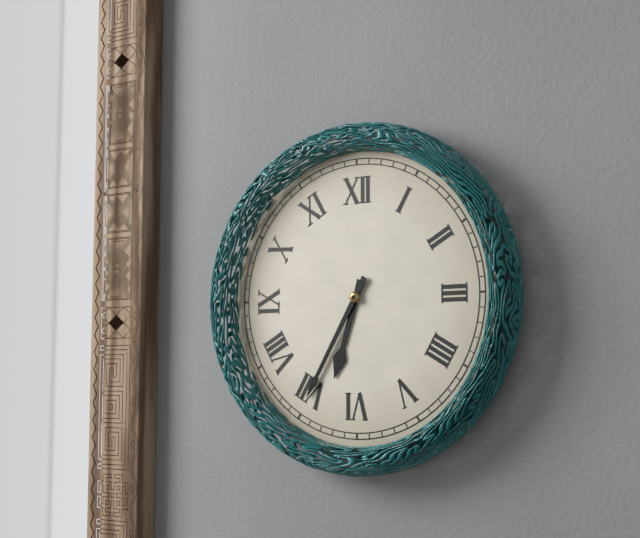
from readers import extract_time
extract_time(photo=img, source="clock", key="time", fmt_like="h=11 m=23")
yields h=6 m=35
